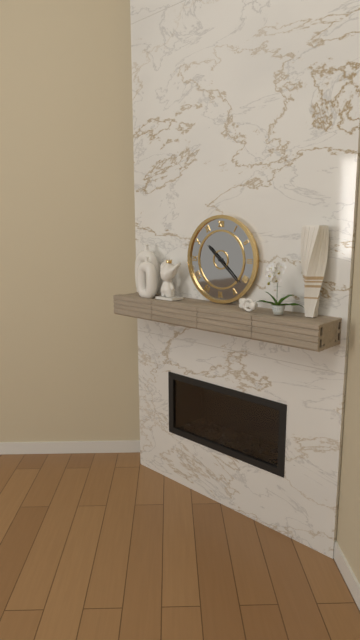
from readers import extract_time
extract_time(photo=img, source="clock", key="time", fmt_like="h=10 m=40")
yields h=10 m=22
